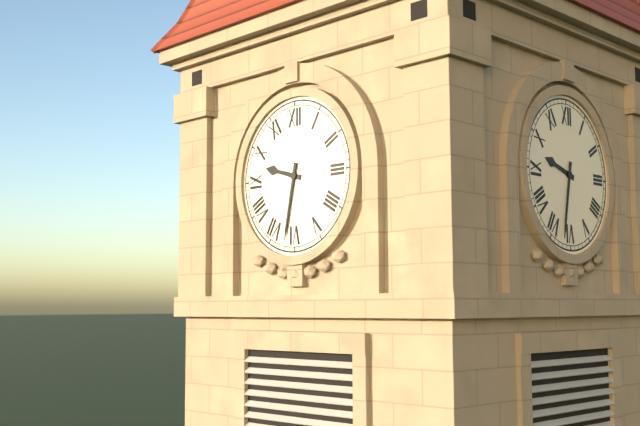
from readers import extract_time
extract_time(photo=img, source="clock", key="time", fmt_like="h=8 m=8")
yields h=9 m=32
